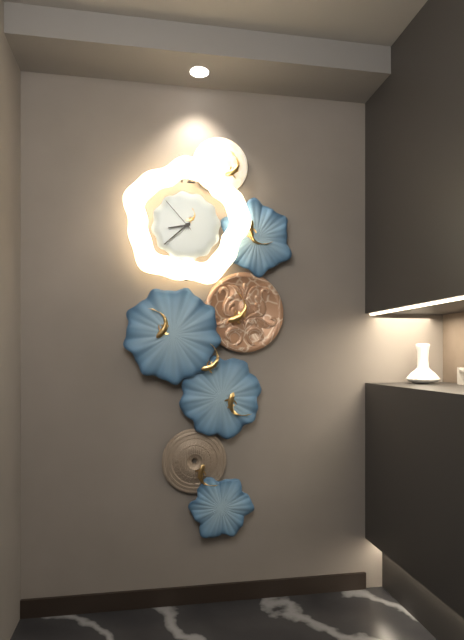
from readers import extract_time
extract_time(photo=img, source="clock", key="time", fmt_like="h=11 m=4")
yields h=8 m=38
